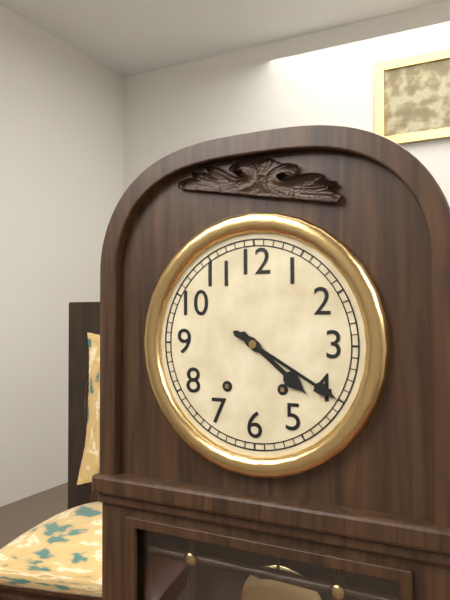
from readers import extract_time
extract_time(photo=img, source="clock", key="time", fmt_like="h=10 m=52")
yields h=4 m=20
